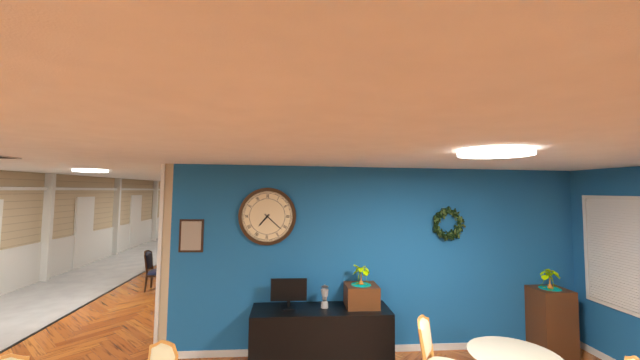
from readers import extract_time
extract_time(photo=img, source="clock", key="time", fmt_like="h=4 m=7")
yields h=7 m=22
